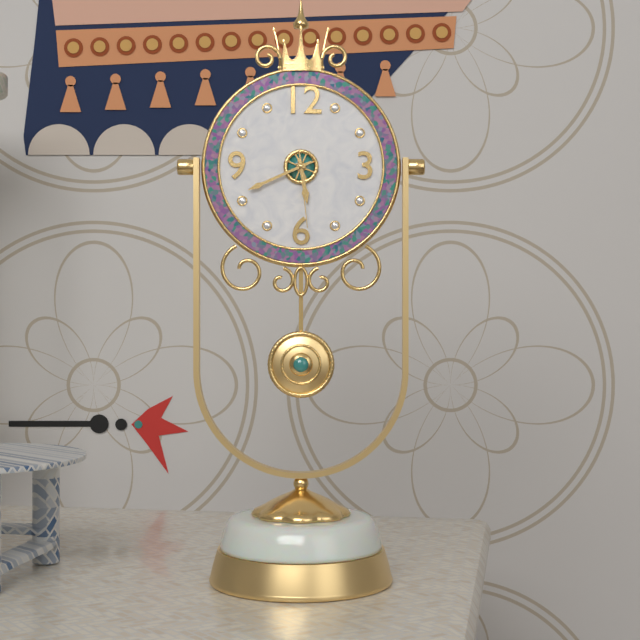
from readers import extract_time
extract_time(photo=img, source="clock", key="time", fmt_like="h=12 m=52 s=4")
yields h=5 m=41 s=29
